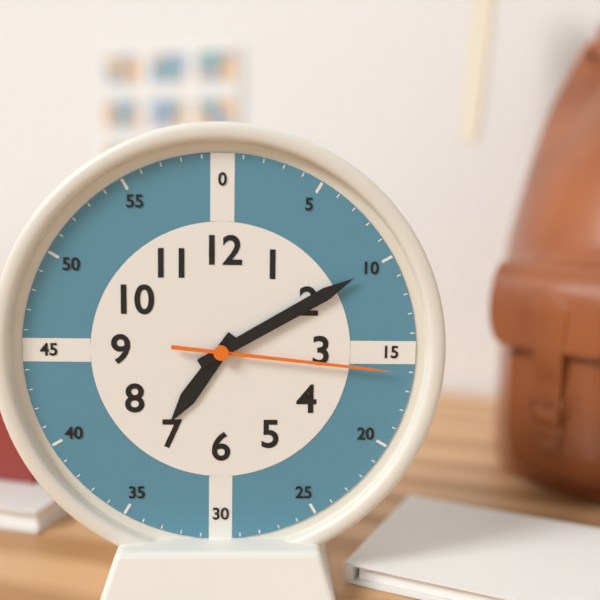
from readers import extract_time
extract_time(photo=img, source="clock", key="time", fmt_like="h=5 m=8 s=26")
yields h=7 m=10 s=16
